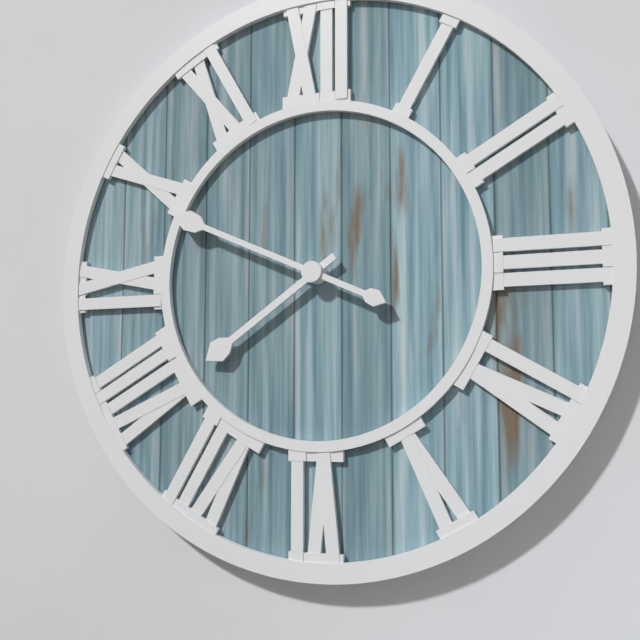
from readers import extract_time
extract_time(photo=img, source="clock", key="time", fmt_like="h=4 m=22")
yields h=7 m=49
